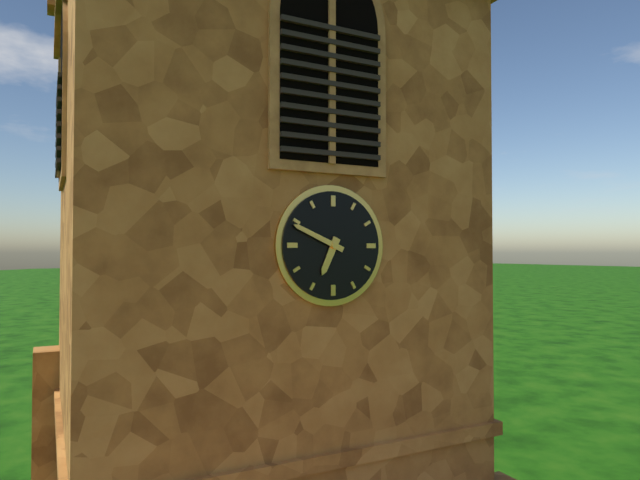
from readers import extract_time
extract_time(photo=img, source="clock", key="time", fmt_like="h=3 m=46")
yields h=6 m=49
